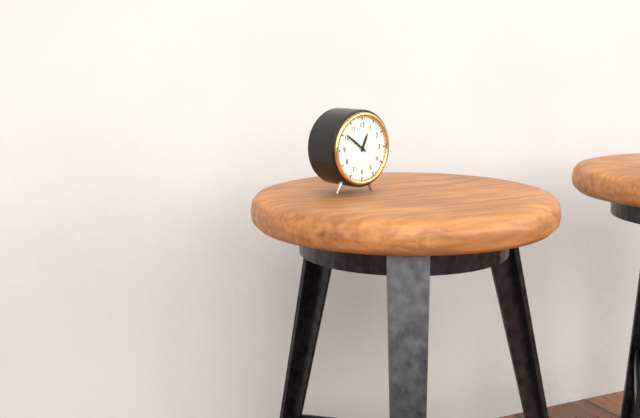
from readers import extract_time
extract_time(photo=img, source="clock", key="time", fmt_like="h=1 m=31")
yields h=12 m=51
